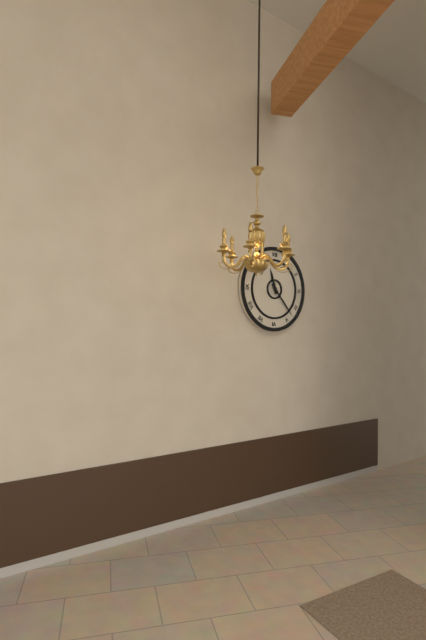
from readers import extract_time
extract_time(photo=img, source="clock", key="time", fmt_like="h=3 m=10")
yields h=11 m=23
